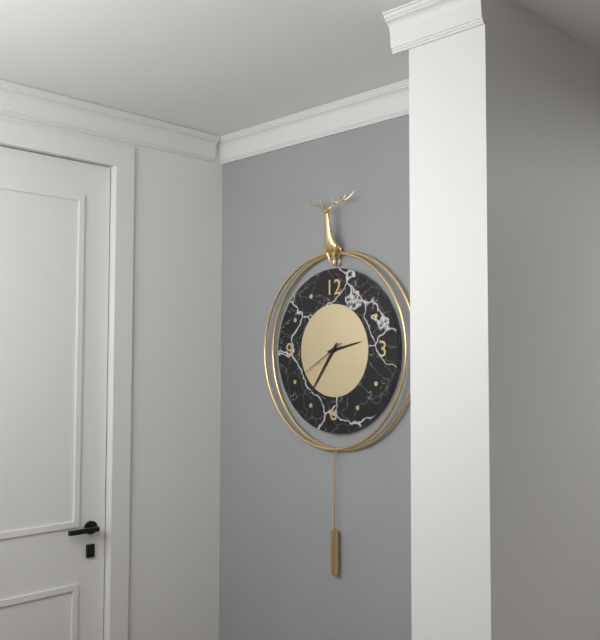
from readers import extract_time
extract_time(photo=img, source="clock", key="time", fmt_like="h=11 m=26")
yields h=2 m=36
